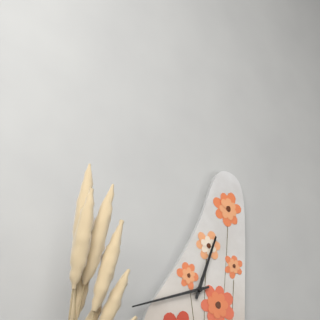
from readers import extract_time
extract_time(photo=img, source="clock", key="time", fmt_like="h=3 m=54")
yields h=12 m=42
